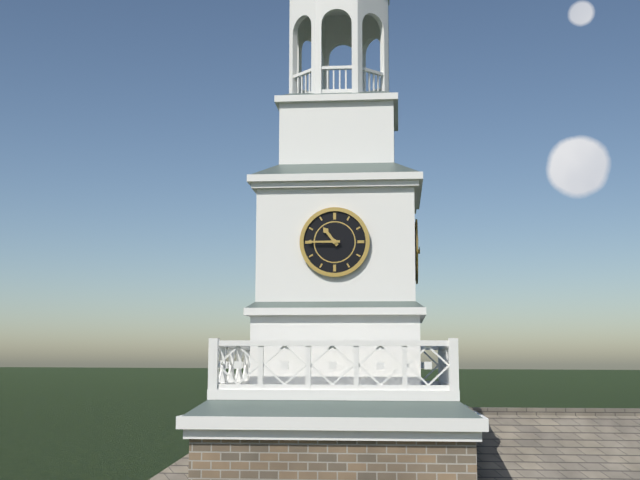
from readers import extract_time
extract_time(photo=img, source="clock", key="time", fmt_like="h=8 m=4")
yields h=10 m=45
